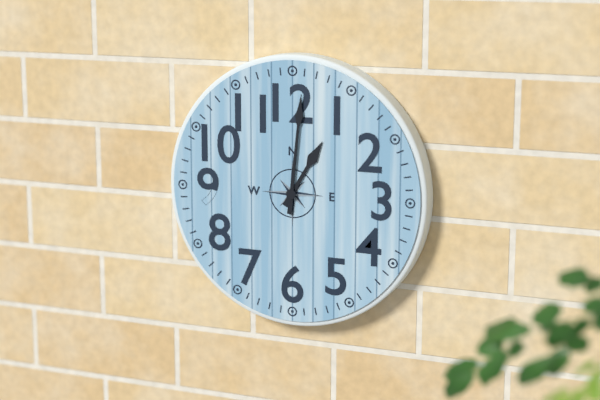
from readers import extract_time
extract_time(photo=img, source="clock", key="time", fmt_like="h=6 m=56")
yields h=1 m=1
